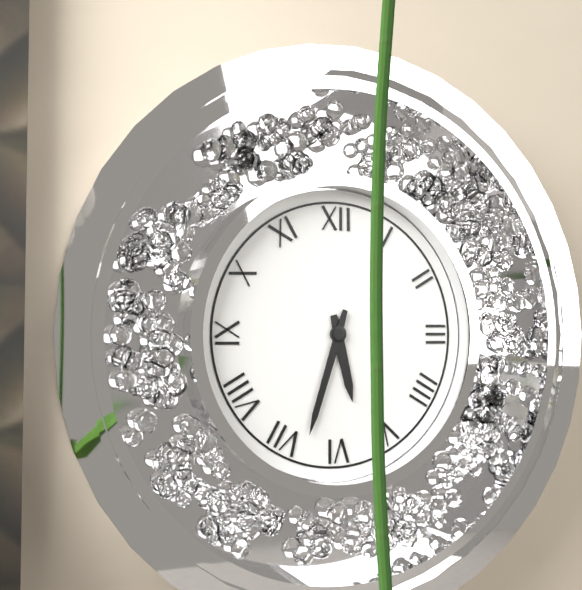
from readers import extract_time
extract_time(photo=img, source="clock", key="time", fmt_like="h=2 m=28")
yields h=5 m=33
